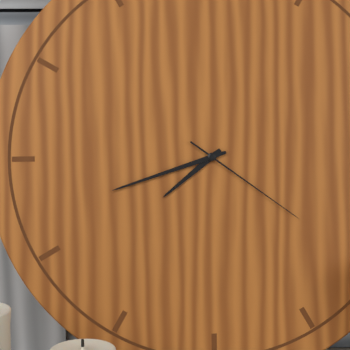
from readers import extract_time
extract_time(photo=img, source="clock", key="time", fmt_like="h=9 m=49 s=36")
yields h=7 m=42 s=21
